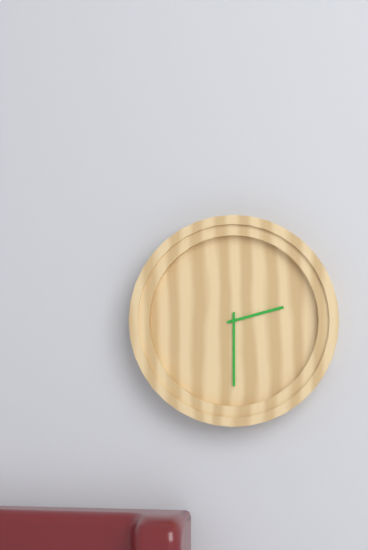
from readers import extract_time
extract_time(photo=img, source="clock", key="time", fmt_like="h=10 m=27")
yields h=2 m=30
